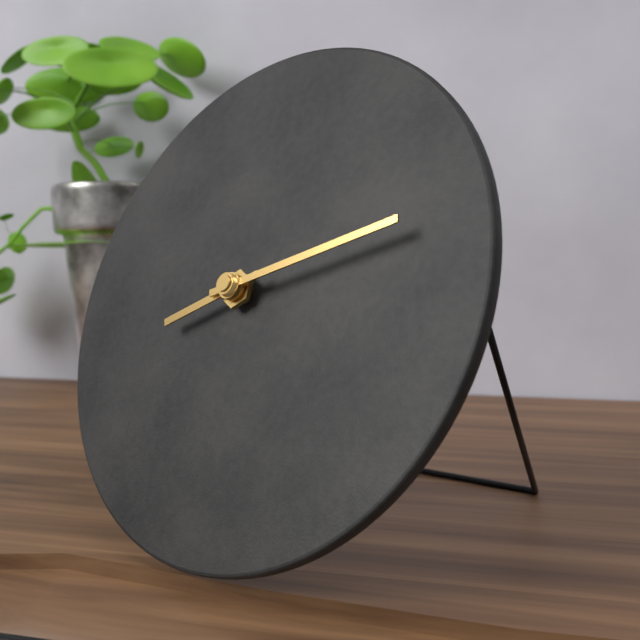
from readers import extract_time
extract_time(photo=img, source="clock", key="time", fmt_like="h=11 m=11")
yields h=8 m=12
